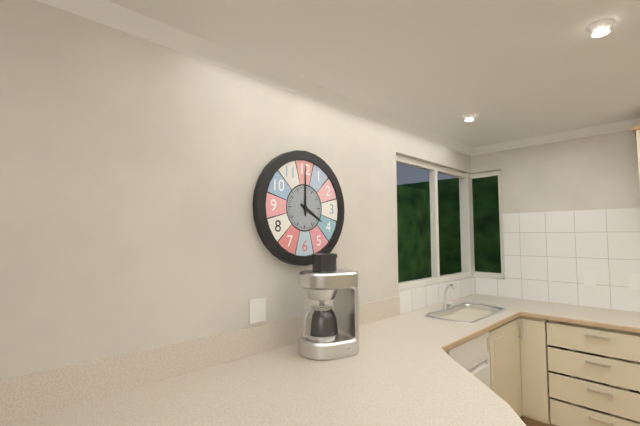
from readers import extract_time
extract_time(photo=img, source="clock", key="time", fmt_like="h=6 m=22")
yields h=4 m=0
